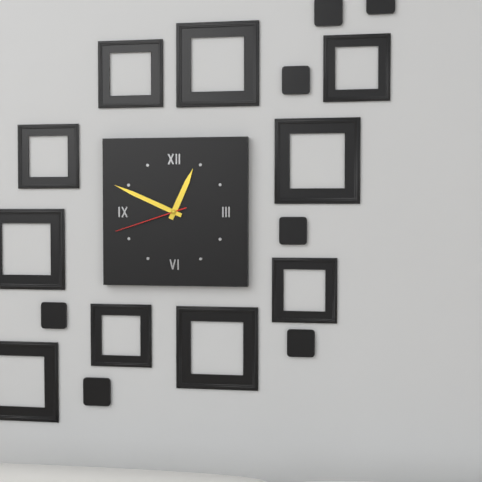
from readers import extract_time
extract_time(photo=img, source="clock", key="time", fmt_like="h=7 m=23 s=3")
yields h=12 m=49 s=42
